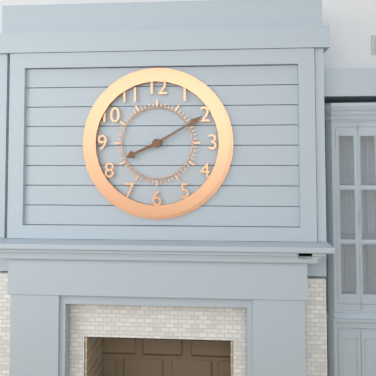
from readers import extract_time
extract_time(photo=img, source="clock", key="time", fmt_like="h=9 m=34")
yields h=8 m=10
